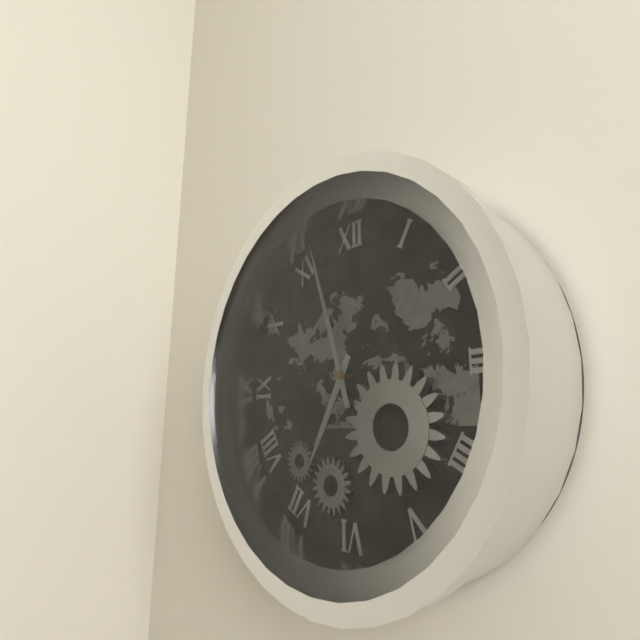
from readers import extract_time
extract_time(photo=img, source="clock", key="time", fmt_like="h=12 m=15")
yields h=6 m=57
